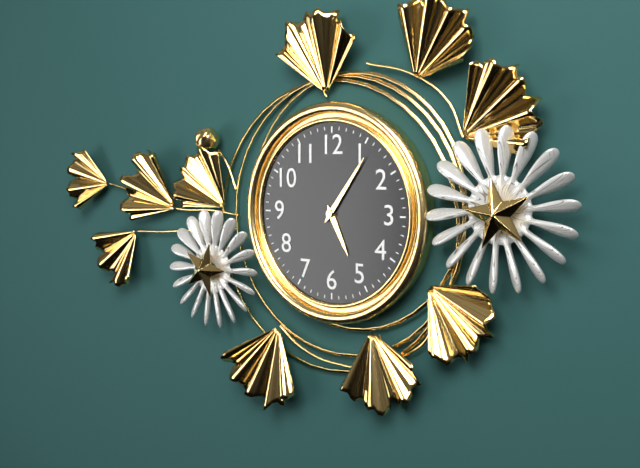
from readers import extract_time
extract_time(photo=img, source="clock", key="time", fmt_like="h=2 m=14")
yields h=5 m=6
